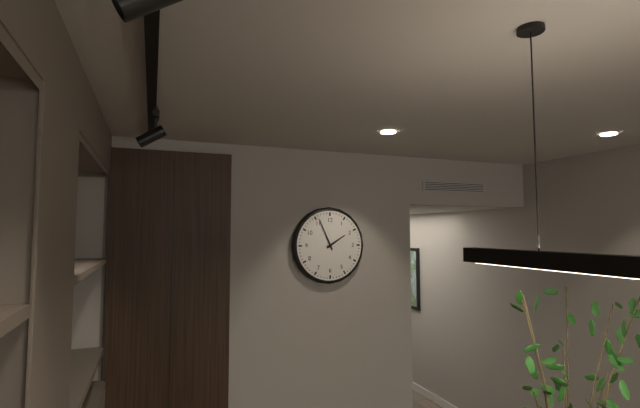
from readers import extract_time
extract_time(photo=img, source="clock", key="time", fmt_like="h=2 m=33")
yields h=1 m=56
